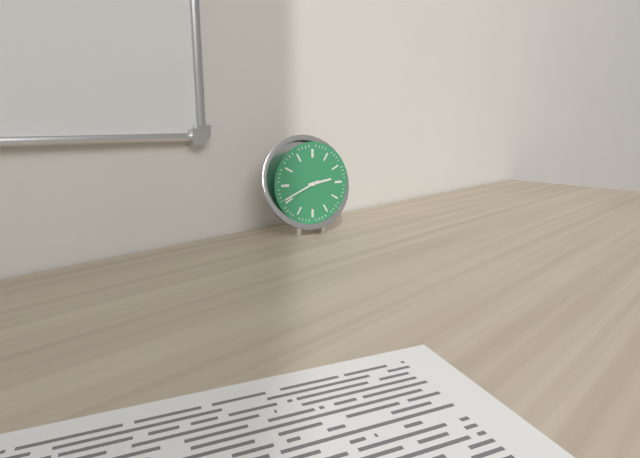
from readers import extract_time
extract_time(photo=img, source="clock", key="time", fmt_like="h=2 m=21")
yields h=2 m=41
